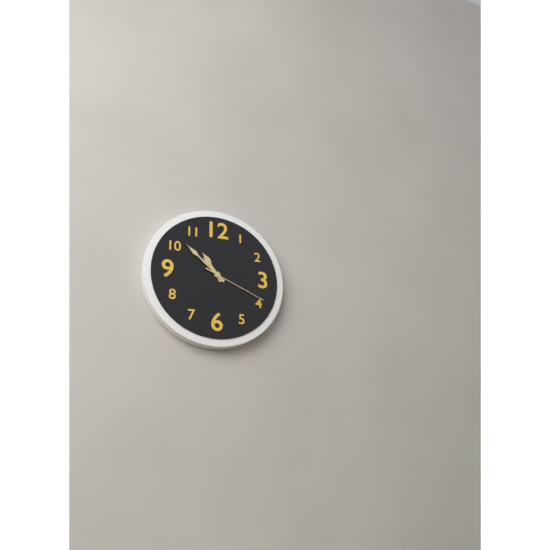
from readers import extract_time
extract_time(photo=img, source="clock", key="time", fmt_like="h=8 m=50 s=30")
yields h=10 m=52 s=19
